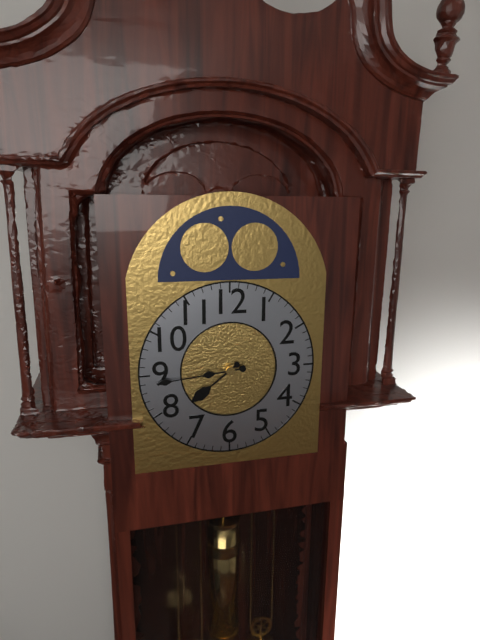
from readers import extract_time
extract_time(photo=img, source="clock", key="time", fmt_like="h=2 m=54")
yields h=7 m=44
